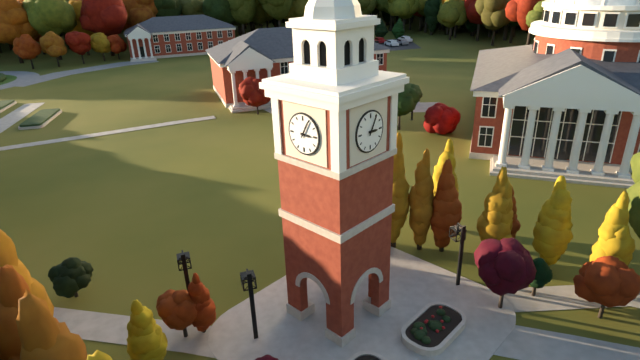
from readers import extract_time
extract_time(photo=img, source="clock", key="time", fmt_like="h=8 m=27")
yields h=3 m=5
